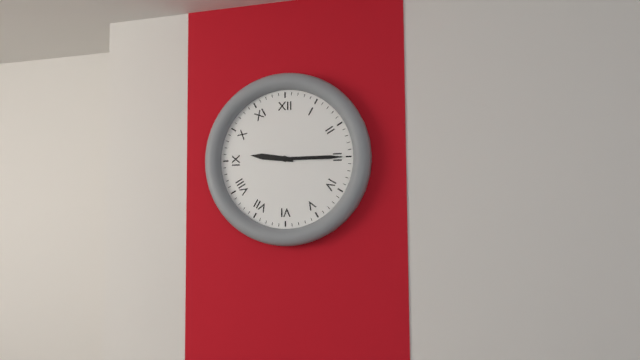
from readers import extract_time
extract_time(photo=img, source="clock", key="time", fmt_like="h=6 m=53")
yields h=9 m=15
